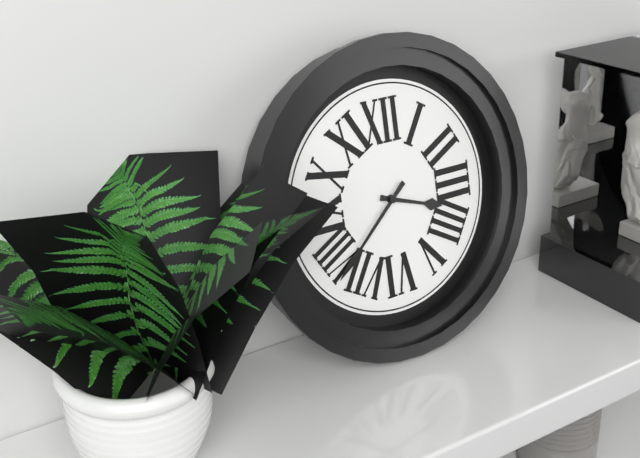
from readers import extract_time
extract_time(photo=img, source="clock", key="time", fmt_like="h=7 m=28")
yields h=3 m=38
